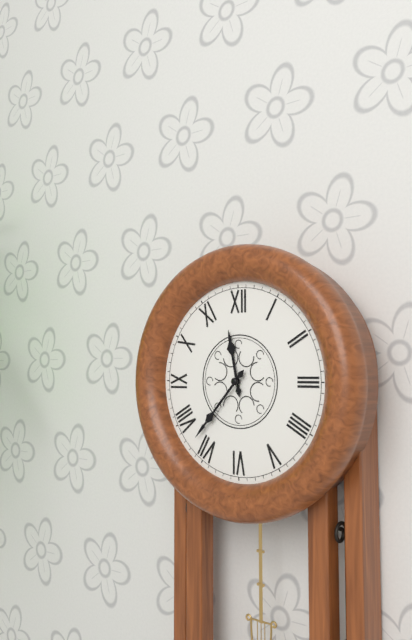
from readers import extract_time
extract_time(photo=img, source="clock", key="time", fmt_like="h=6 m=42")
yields h=11 m=37
